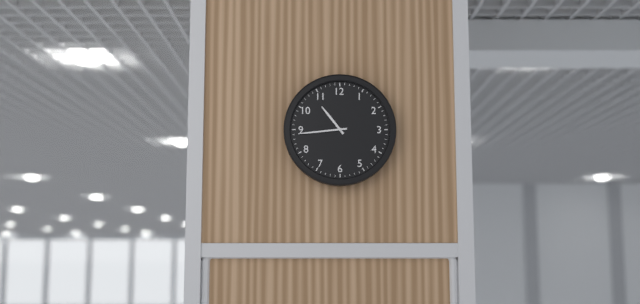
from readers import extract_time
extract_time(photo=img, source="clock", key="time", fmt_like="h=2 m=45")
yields h=10 m=44
